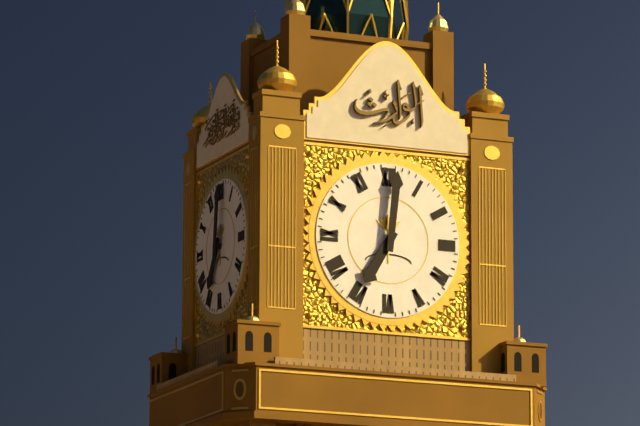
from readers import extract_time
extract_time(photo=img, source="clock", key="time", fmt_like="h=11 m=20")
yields h=7 m=1
